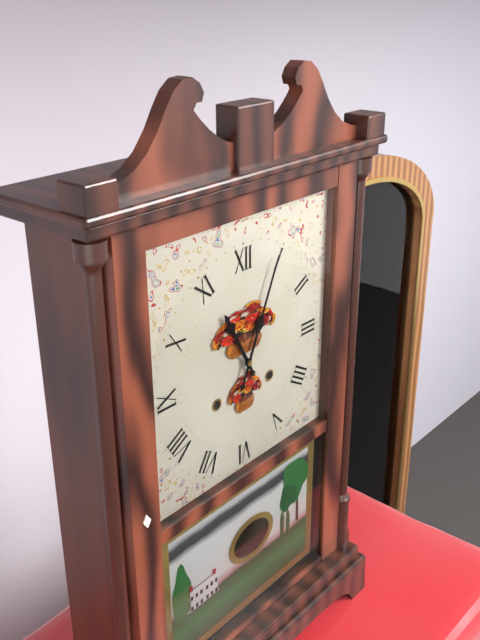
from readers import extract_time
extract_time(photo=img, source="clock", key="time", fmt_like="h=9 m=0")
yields h=11 m=4
